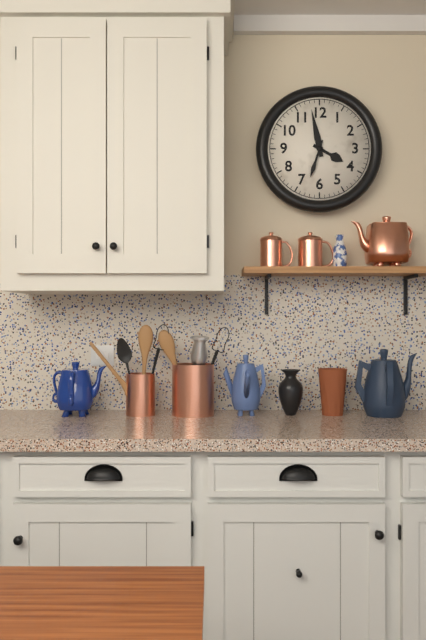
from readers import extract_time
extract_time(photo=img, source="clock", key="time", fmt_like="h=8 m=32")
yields h=3 m=58
